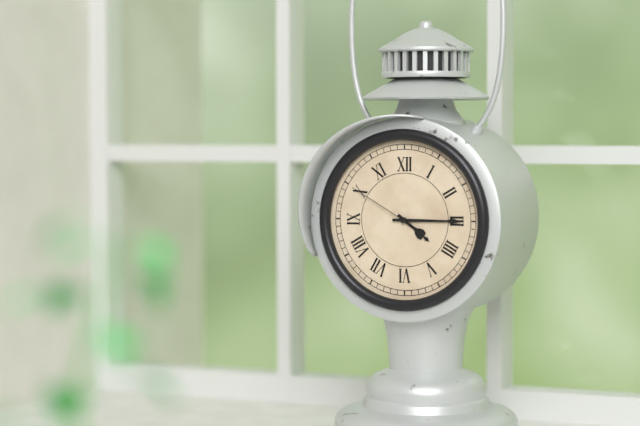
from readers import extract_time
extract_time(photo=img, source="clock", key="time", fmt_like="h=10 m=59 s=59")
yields h=4 m=15 s=50
